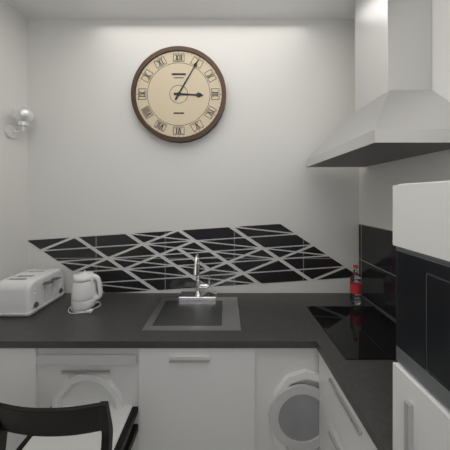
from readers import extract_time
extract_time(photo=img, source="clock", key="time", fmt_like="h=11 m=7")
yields h=3 m=5
